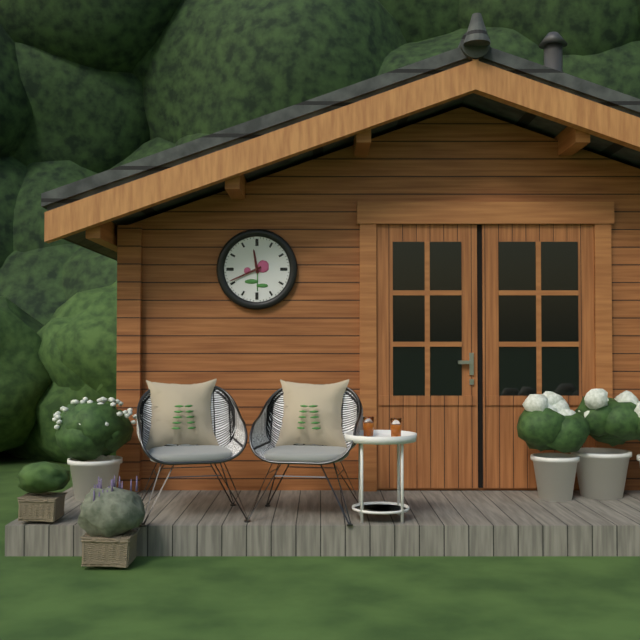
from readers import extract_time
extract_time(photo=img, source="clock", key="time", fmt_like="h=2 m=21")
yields h=11 m=41
